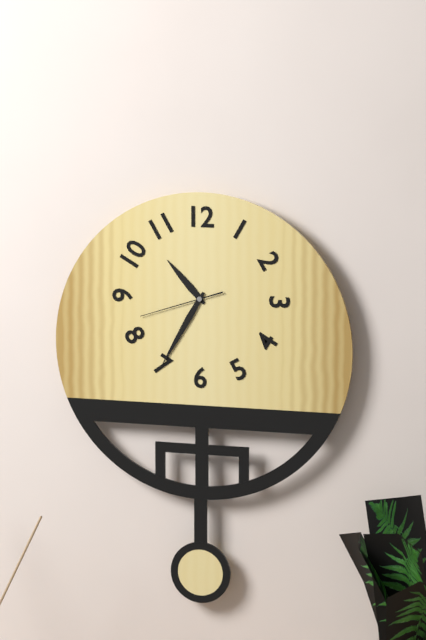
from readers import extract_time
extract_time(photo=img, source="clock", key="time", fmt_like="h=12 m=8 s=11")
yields h=10 m=35 s=42
